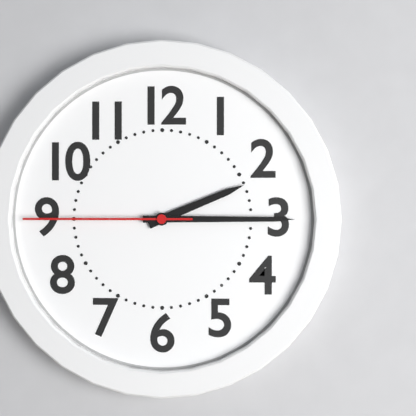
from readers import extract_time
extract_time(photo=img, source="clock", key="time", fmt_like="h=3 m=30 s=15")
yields h=2 m=15 s=45
